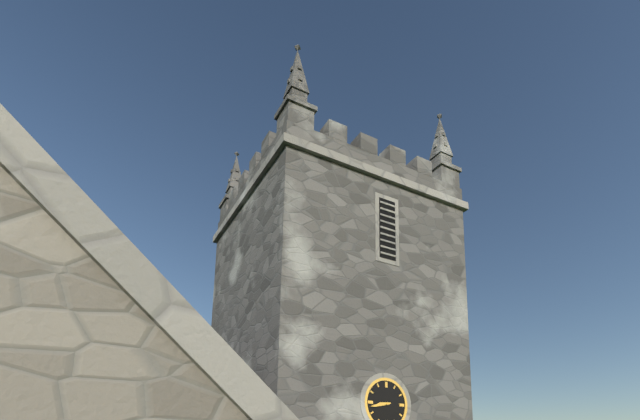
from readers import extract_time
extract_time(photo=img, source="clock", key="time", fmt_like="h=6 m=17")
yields h=8 m=43
